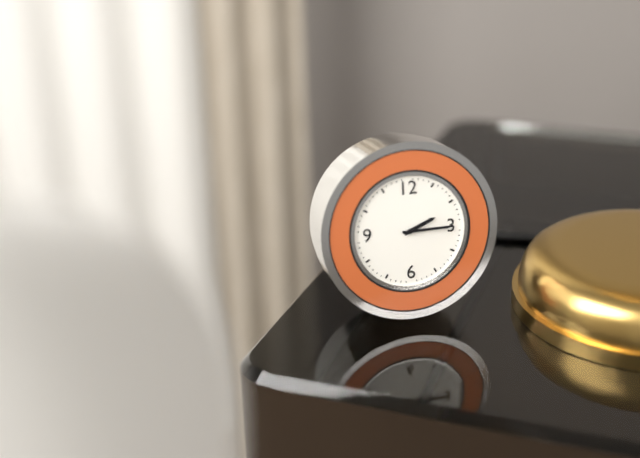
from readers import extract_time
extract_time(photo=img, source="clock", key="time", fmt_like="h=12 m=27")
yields h=2 m=15
